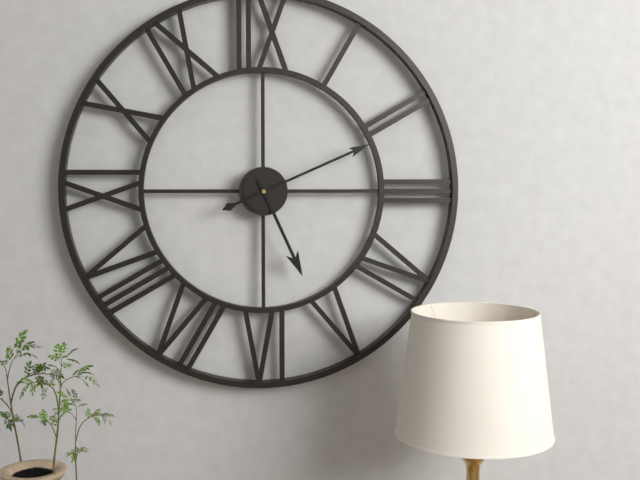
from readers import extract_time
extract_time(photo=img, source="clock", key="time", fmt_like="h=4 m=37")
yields h=5 m=11
